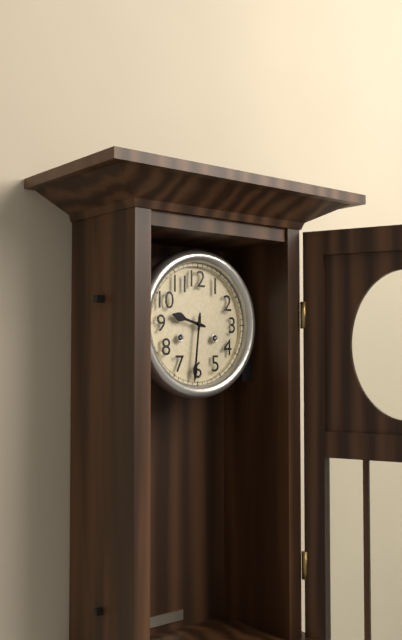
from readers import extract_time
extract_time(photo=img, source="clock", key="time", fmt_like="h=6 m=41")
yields h=9 m=31
